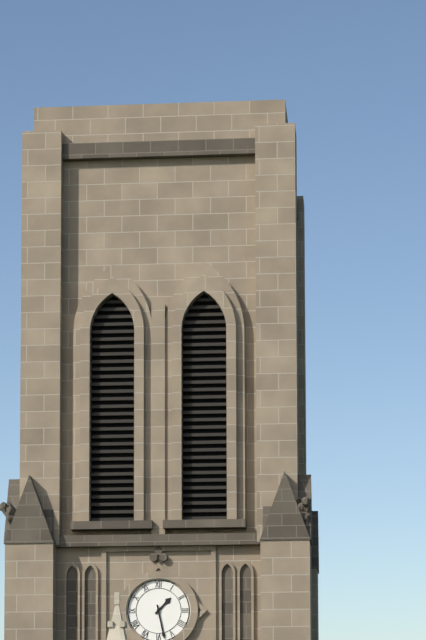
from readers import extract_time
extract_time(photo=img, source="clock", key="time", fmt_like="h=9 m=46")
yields h=1 m=28
